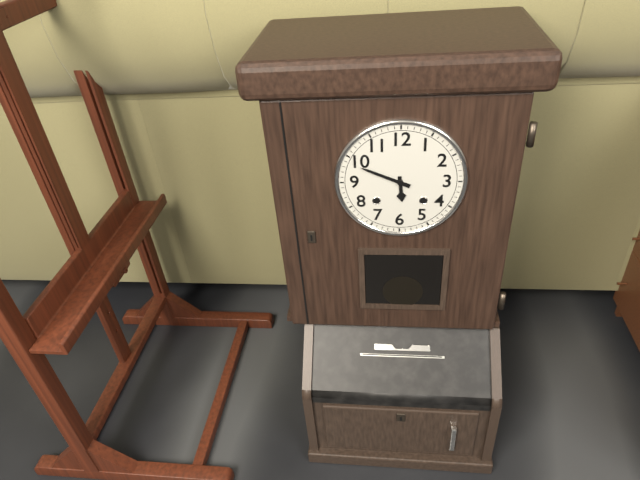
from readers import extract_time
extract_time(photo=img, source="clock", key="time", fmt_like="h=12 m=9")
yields h=5 m=49
